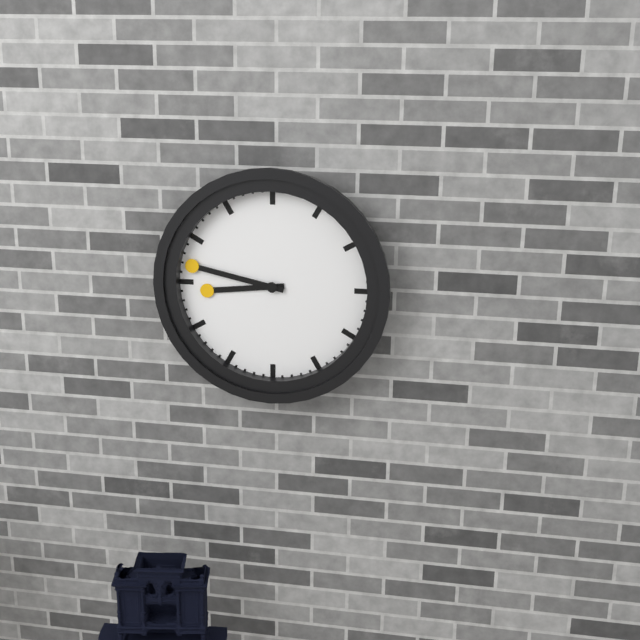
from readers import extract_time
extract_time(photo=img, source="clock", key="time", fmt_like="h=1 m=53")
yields h=8 m=47
